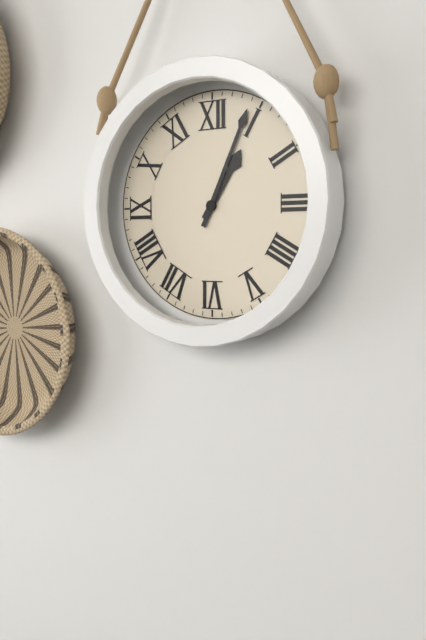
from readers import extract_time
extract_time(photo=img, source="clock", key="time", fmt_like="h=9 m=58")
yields h=1 m=4
